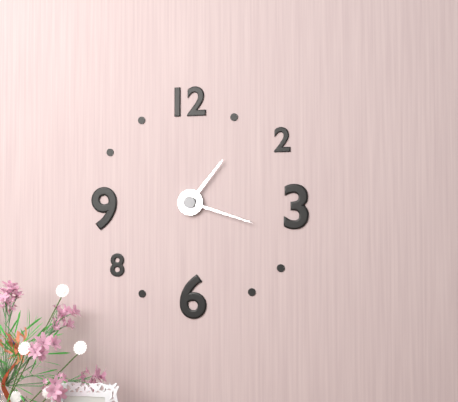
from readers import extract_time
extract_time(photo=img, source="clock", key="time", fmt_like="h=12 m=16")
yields h=1 m=18
